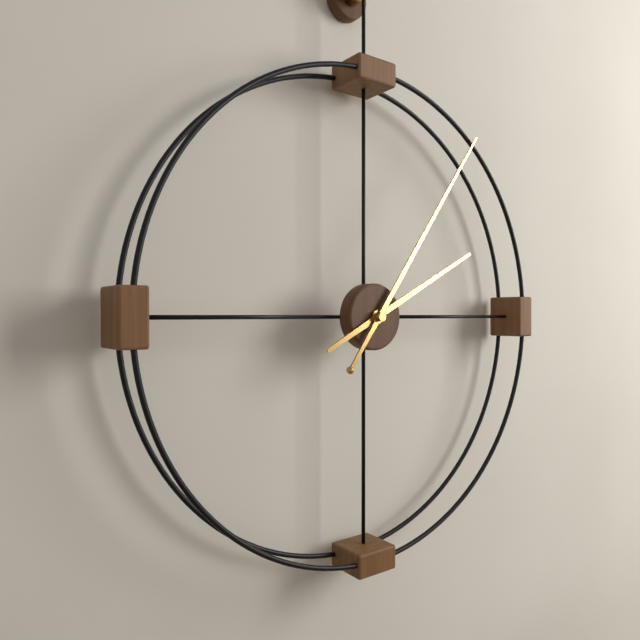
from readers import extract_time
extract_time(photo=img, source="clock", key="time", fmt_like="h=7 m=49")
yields h=2 m=6
